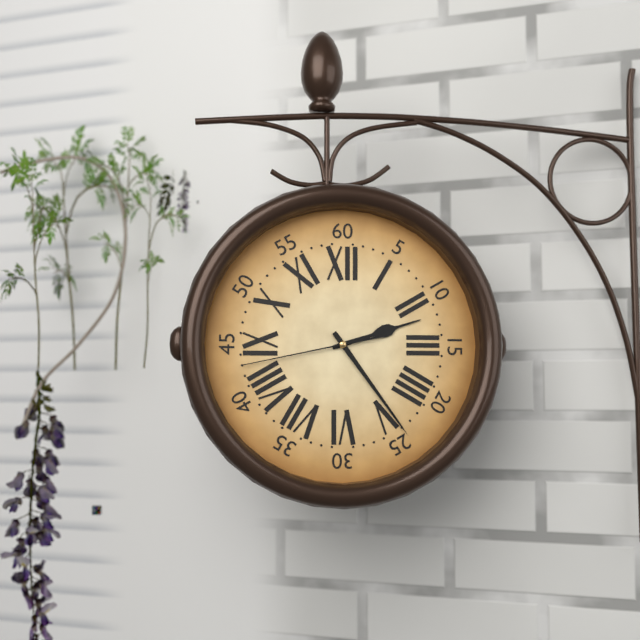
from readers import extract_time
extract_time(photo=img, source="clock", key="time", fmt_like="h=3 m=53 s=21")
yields h=2 m=24 s=43
